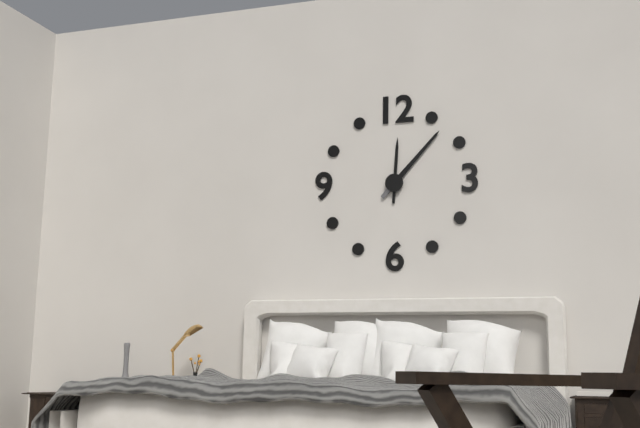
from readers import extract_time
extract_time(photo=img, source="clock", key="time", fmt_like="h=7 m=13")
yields h=12 m=7
